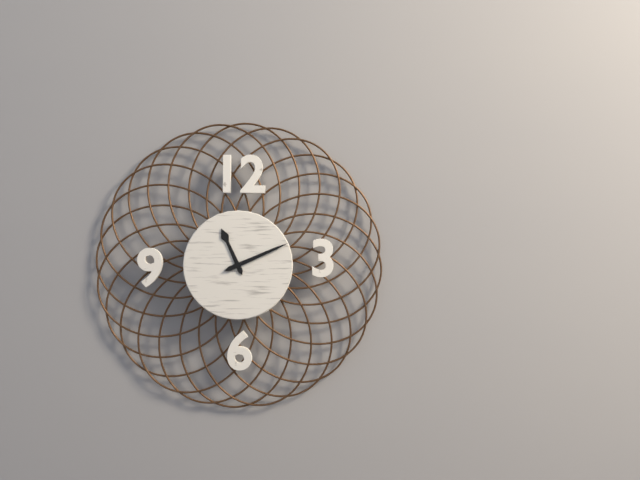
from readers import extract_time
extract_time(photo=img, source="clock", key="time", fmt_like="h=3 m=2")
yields h=11 m=11
